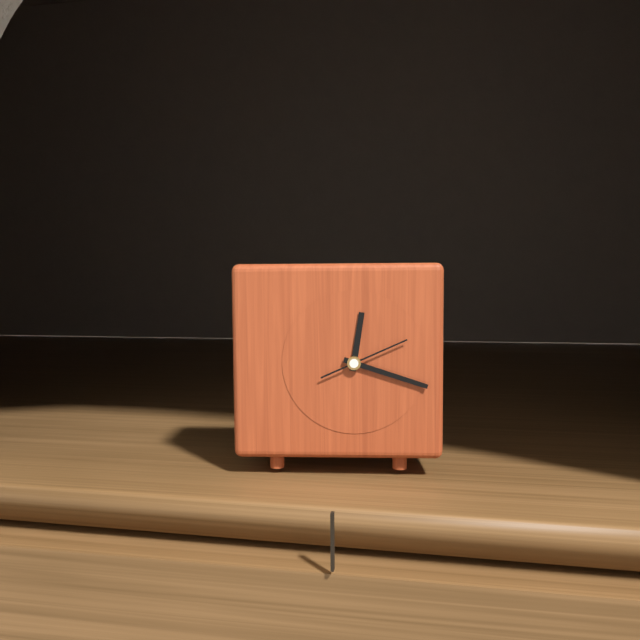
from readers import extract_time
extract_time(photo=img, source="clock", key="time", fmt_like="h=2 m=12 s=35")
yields h=12 m=18 s=11
